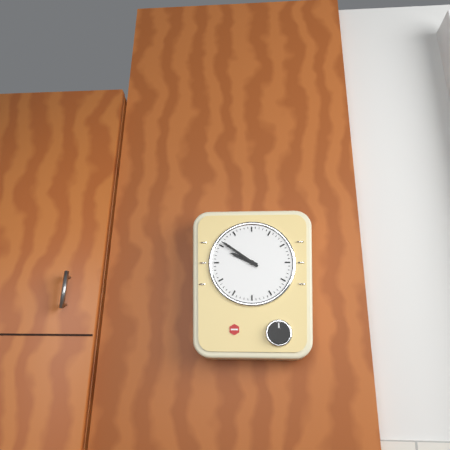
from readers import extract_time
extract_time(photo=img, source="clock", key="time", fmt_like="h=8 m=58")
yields h=9 m=51
